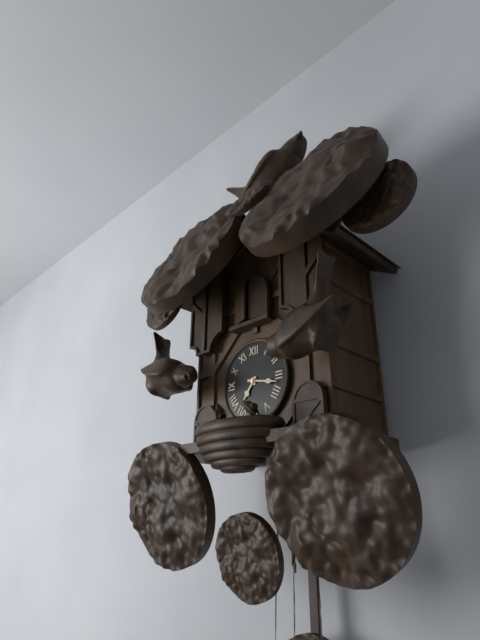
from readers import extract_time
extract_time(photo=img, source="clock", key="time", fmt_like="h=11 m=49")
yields h=7 m=17
